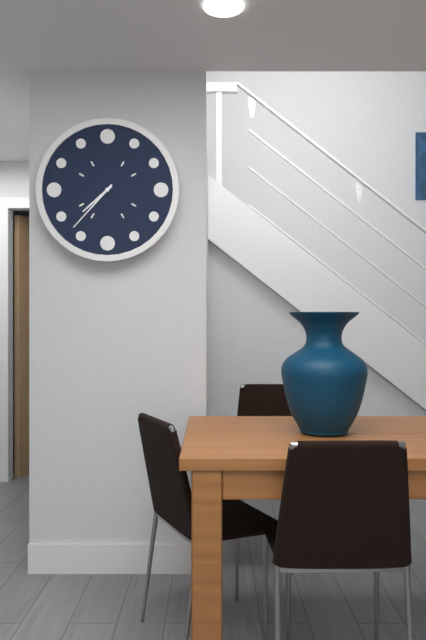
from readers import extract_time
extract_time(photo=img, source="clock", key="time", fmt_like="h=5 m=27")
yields h=7 m=37
